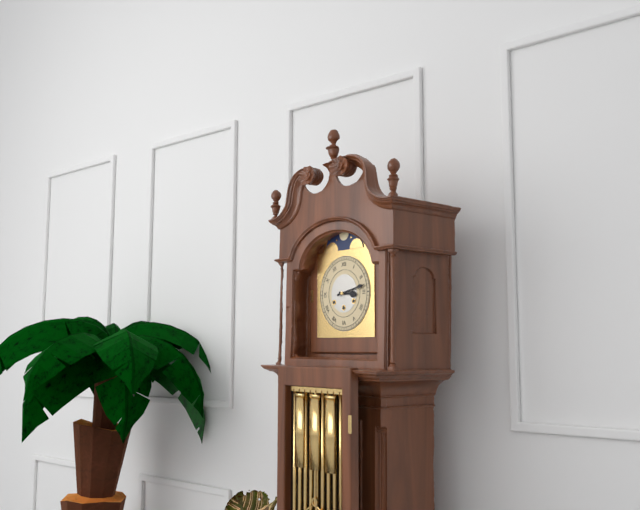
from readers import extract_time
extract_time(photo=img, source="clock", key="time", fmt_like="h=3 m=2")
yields h=3 m=13
